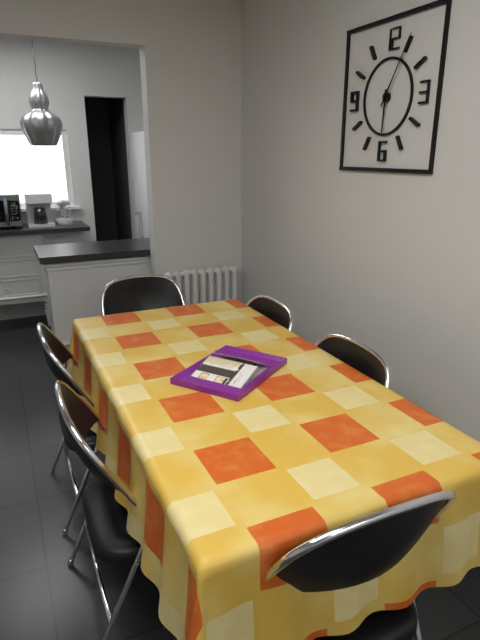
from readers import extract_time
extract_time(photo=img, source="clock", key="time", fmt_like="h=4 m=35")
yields h=6 m=5
